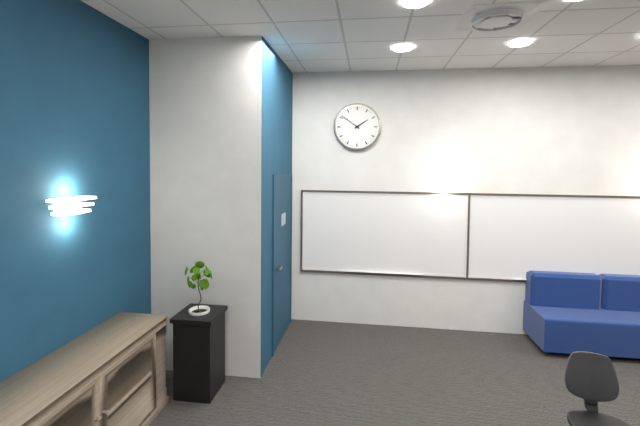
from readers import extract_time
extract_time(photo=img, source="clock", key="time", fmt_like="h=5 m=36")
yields h=1 m=51
